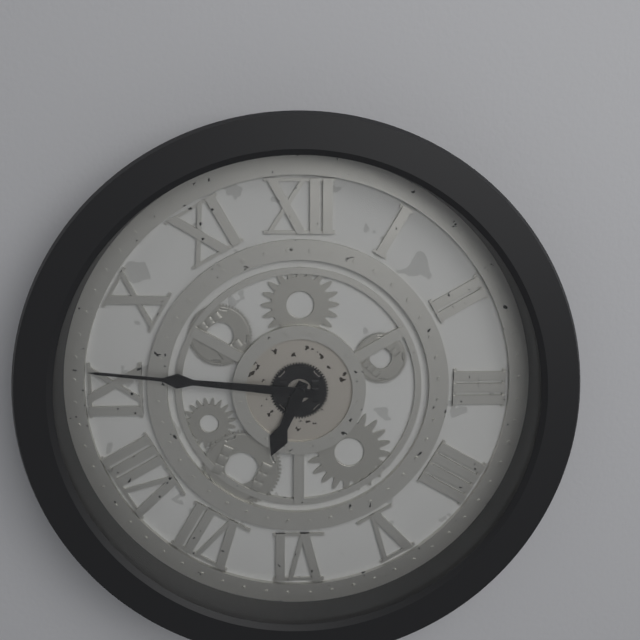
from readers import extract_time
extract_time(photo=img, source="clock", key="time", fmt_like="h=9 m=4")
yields h=6 m=46
